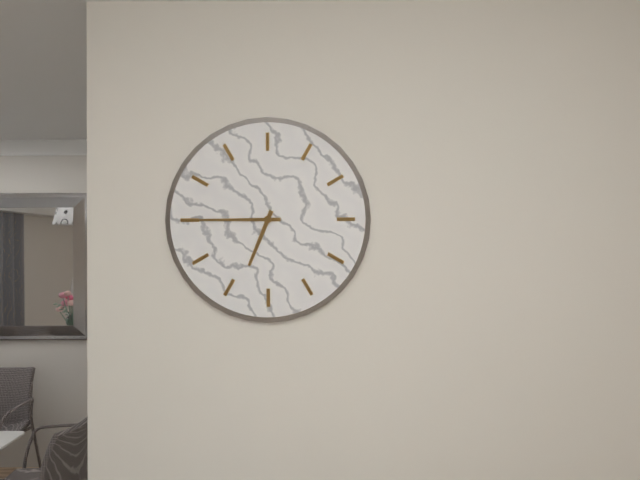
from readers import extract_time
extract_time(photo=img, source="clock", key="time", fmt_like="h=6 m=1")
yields h=6 m=45
